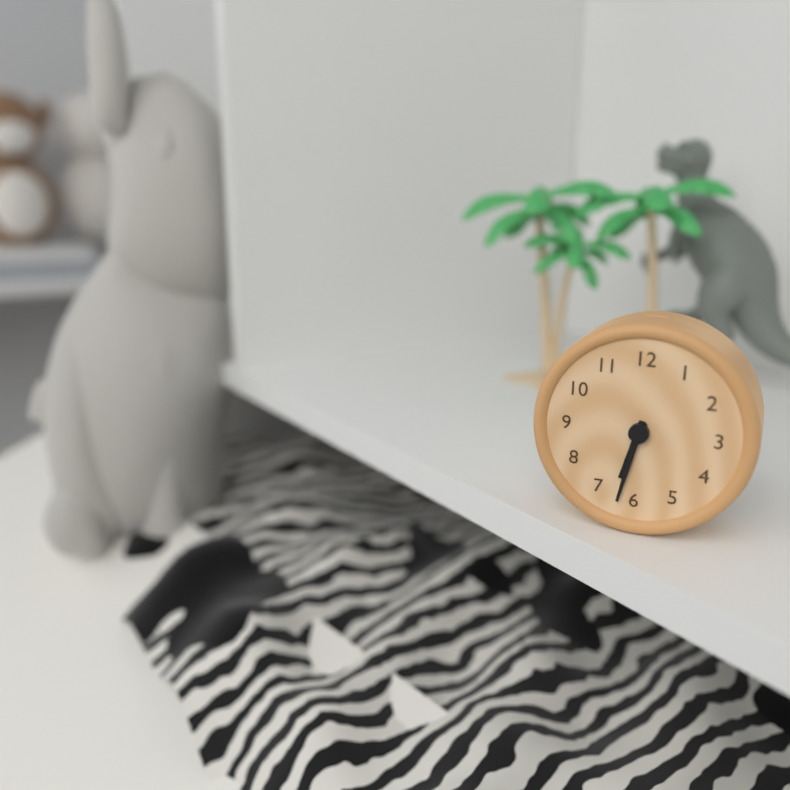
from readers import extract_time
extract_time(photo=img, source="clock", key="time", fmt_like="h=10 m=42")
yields h=6 m=32
